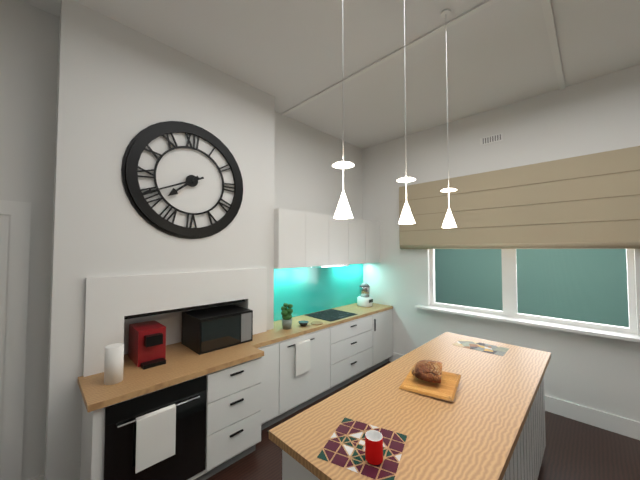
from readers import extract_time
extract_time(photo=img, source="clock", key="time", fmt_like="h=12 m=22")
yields h=7 m=41
